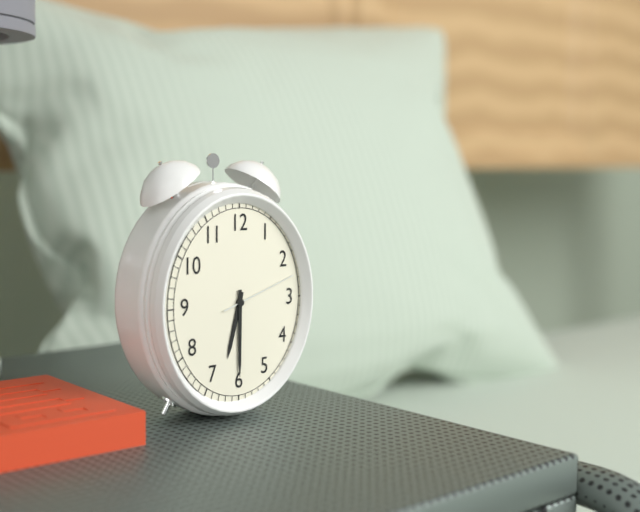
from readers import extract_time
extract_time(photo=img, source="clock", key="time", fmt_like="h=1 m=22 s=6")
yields h=6 m=30 s=12
